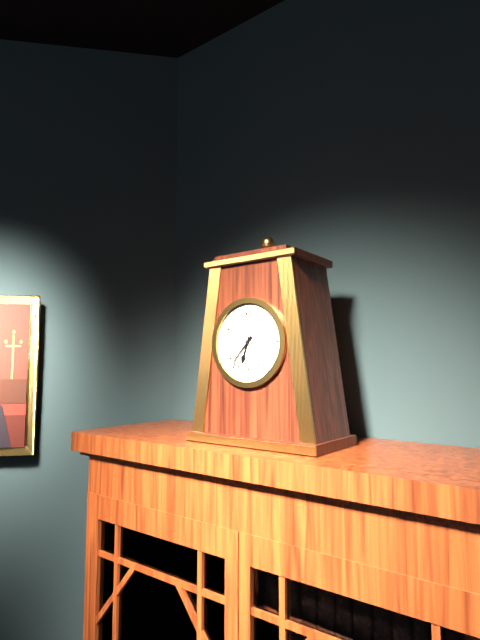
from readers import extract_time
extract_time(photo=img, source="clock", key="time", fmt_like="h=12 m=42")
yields h=6 m=37
